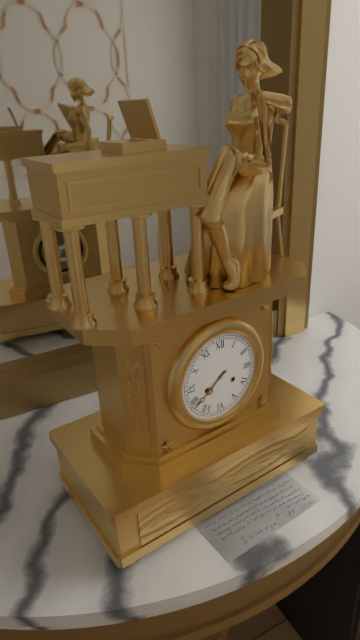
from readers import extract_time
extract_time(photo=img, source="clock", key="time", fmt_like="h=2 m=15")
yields h=7 m=39
